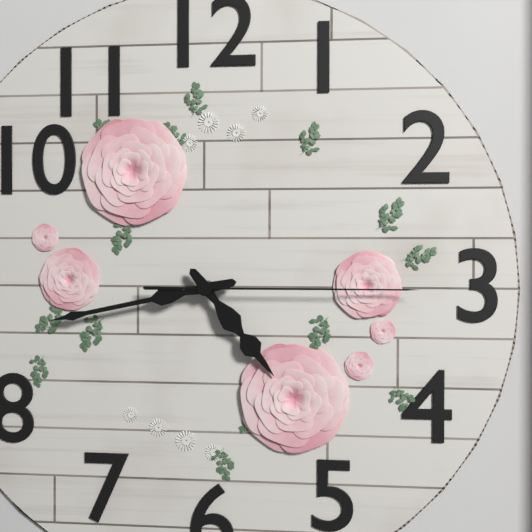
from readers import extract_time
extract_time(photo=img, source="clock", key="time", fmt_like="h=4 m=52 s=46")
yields h=4 m=43 s=15
